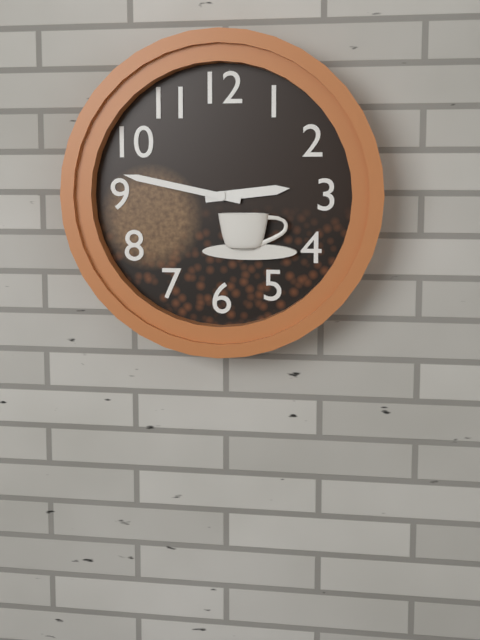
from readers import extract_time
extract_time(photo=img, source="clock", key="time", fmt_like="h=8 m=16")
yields h=2 m=47
